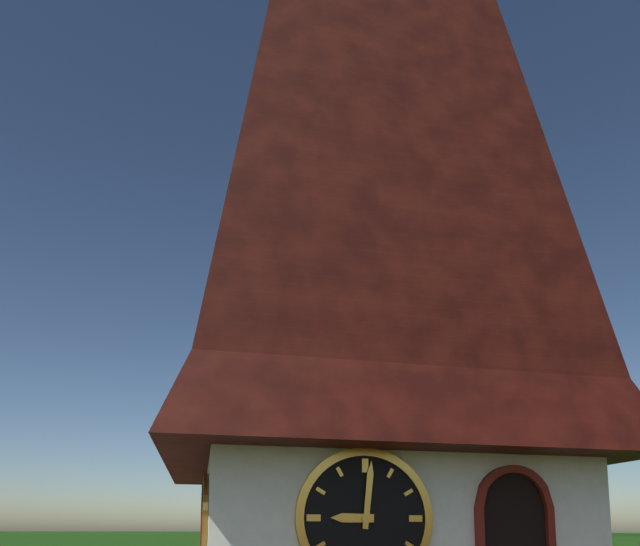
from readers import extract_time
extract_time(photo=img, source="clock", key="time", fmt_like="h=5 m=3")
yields h=9 m=1
